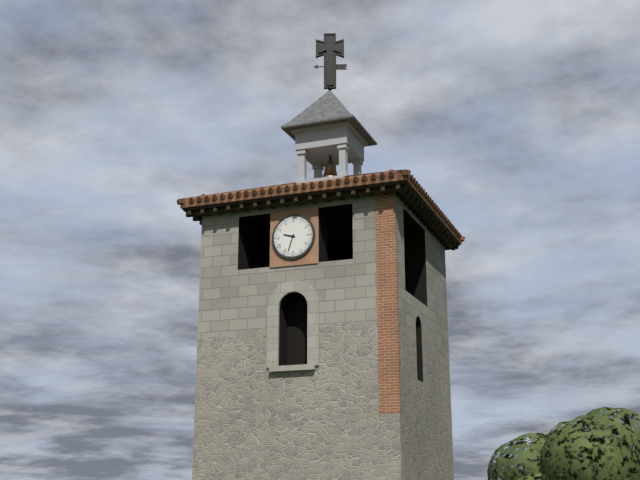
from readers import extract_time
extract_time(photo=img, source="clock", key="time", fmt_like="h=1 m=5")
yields h=9 m=33
